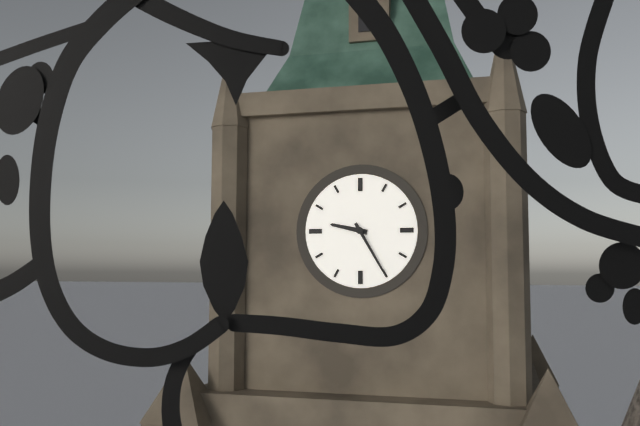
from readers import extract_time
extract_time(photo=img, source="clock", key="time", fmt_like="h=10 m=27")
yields h=9 m=25
